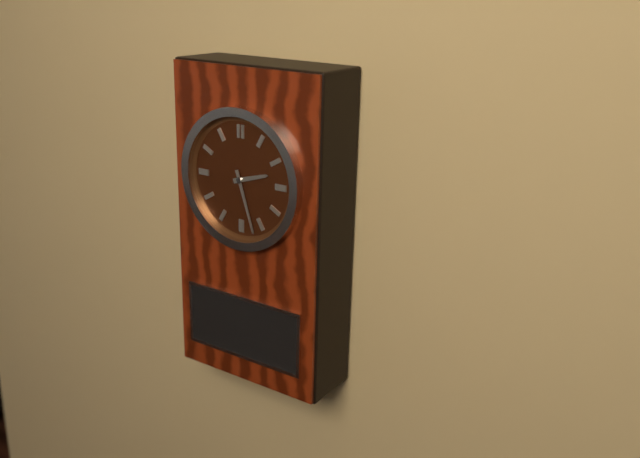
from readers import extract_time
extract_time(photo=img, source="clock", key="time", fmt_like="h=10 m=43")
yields h=2 m=27
